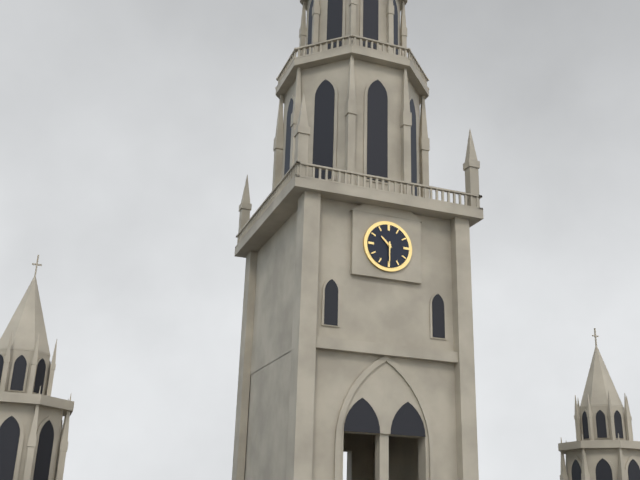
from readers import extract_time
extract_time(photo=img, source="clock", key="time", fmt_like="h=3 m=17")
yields h=10 m=30
